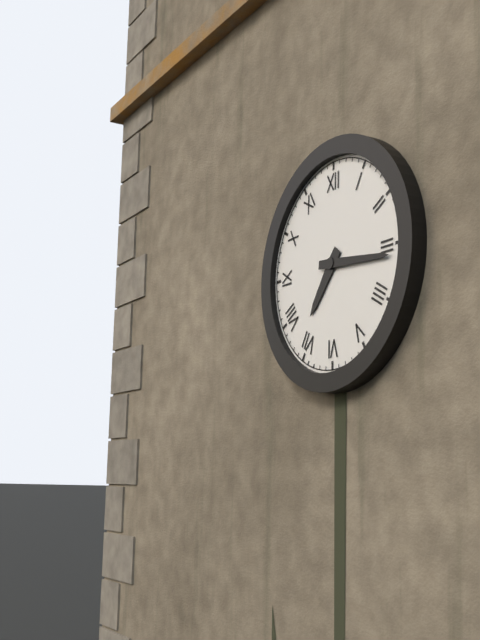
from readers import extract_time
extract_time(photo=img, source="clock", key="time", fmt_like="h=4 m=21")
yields h=7 m=16
